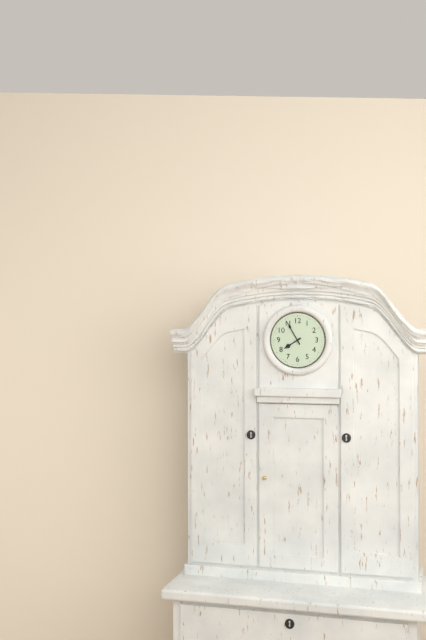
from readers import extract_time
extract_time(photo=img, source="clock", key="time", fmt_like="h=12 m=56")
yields h=7 m=55
